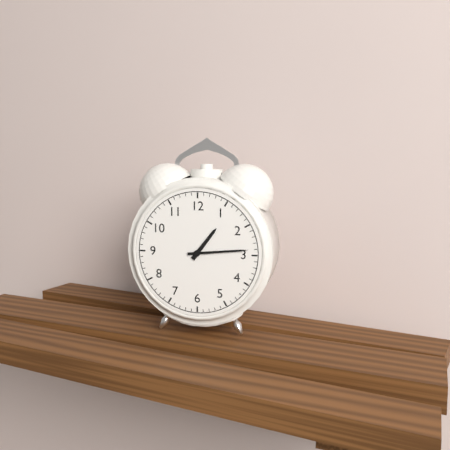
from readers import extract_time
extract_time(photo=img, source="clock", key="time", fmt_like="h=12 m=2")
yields h=1 m=14
